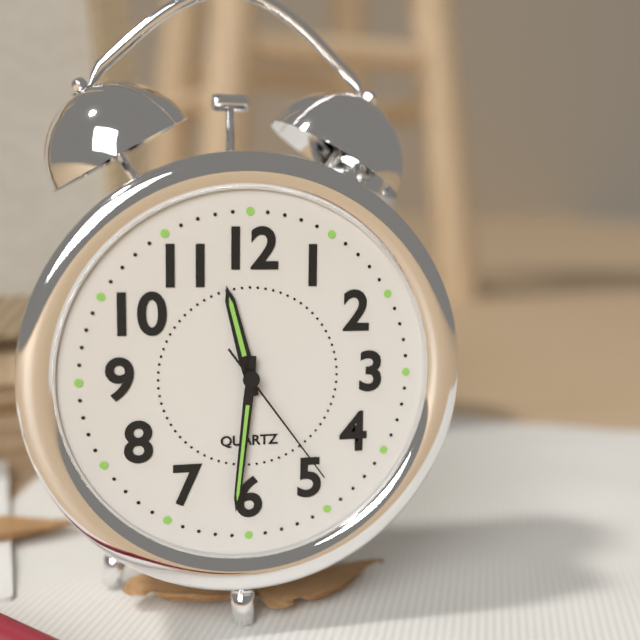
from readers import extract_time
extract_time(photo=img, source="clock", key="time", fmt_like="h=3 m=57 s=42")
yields h=11 m=31 s=24
